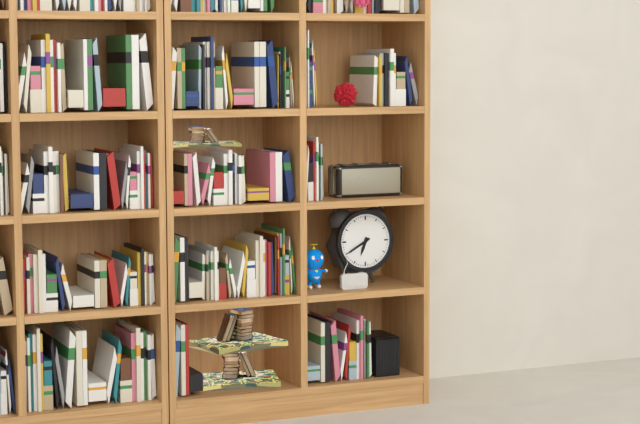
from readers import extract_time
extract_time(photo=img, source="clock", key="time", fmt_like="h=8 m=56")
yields h=6 m=40
